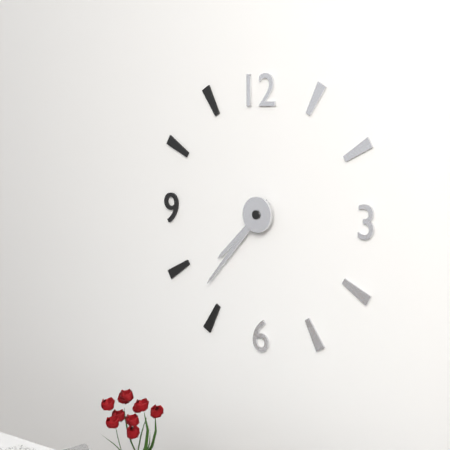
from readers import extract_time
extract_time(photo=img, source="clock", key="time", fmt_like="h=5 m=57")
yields h=7 m=37
